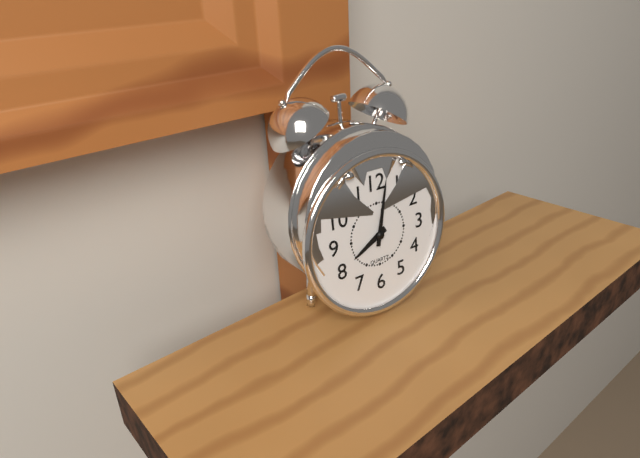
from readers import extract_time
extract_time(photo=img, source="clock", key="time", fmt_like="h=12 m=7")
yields h=8 m=2
